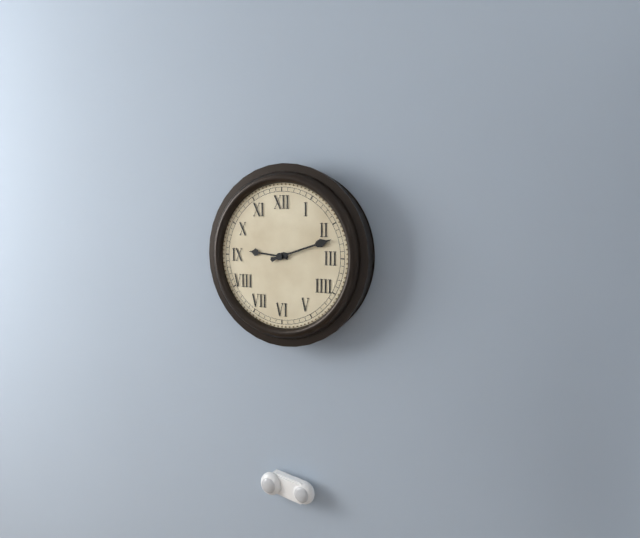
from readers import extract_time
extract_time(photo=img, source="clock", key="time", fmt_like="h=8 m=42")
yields h=9 m=12
